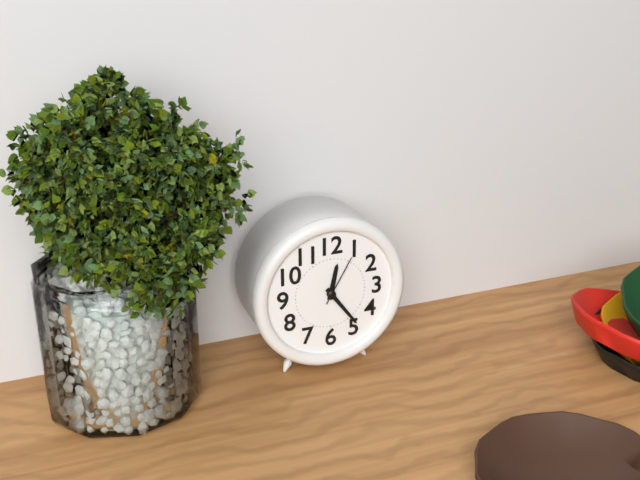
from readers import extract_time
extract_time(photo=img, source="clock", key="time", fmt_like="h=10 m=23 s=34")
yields h=12 m=24 s=5
